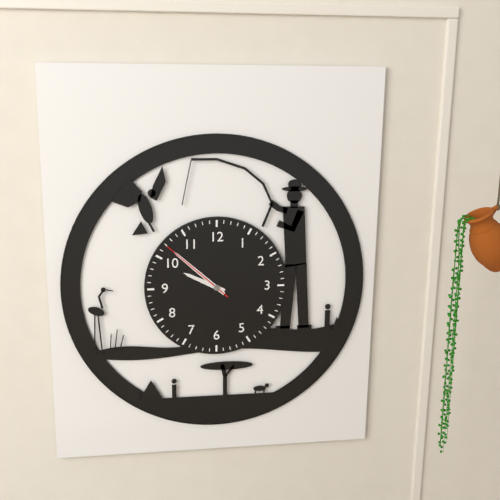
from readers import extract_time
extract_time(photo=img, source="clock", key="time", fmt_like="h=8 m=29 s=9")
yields h=9 m=52 s=52
